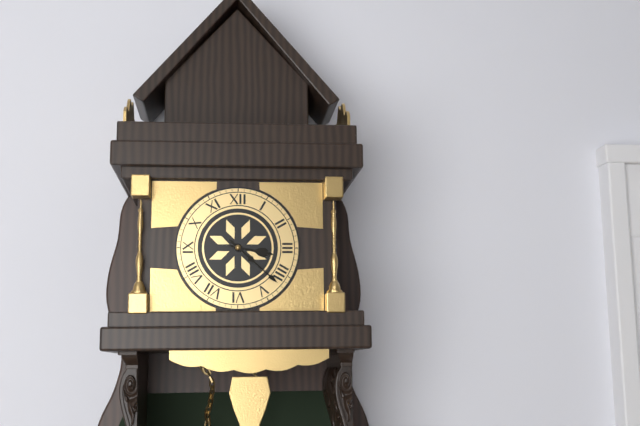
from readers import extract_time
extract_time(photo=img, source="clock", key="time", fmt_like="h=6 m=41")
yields h=3 m=22
